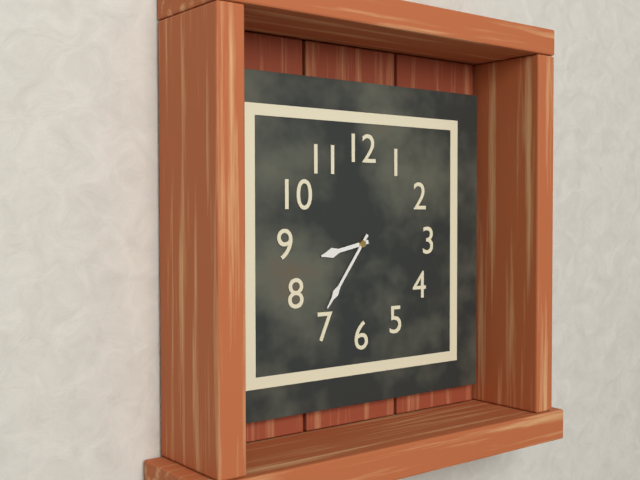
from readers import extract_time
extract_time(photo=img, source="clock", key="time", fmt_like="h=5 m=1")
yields h=8 m=36
